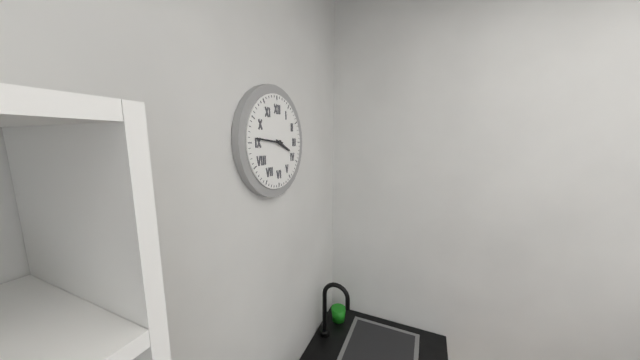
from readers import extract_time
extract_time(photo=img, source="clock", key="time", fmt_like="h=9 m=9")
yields h=3 m=46
